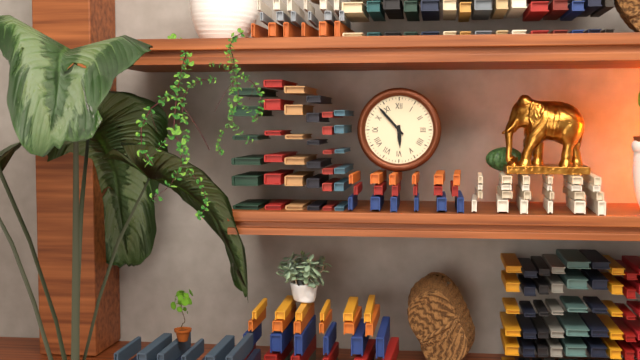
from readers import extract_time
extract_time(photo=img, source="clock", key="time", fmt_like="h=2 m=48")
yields h=5 m=53
